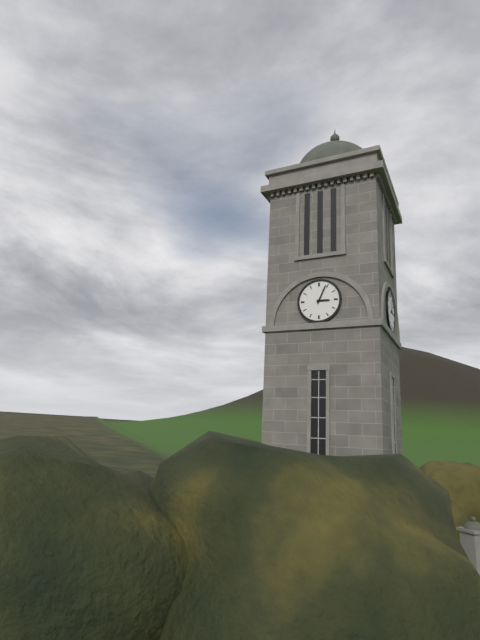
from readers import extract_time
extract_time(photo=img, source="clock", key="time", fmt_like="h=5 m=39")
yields h=3 m=4
